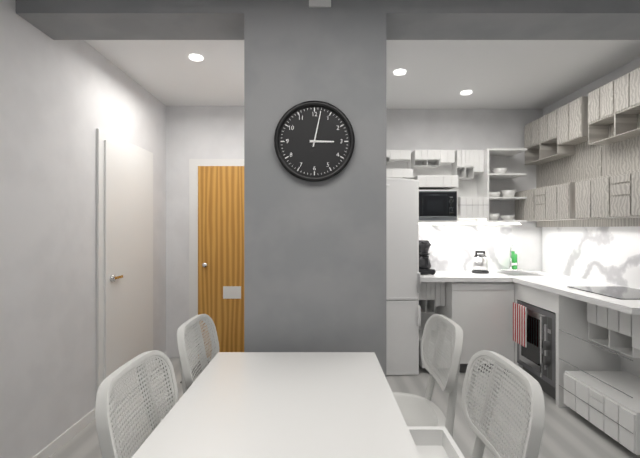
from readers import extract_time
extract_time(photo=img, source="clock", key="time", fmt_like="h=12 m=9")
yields h=3 m=2
